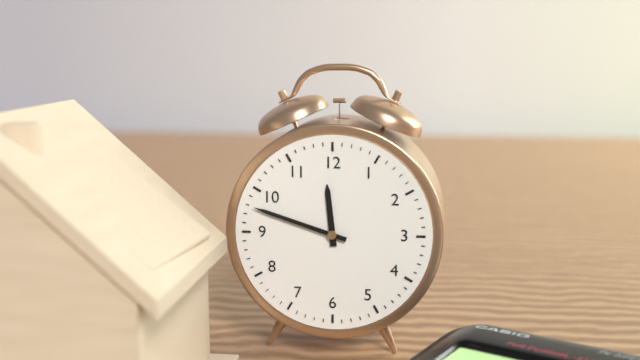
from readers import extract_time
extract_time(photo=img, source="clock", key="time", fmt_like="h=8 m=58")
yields h=11 m=48
